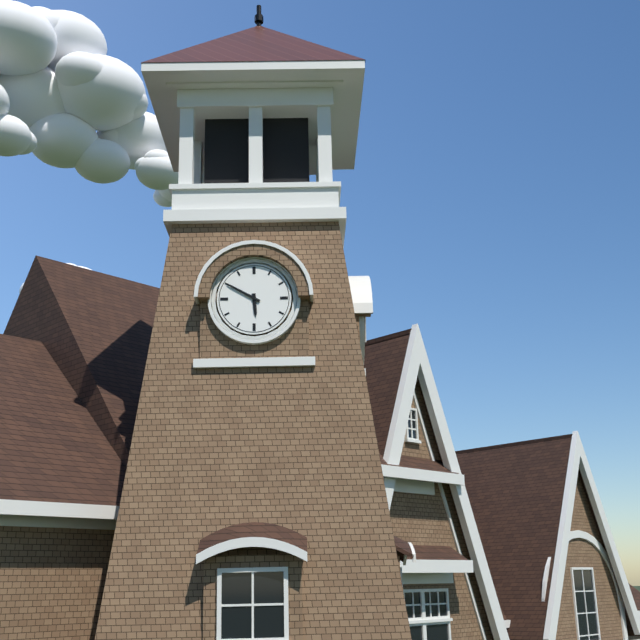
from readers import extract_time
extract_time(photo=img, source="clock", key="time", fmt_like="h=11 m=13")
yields h=5 m=50
